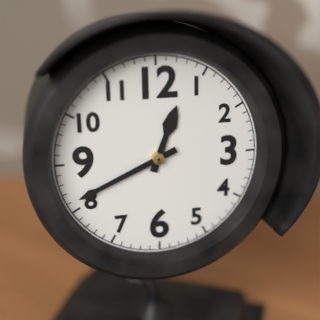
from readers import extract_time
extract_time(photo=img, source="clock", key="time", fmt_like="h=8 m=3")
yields h=12 m=41
